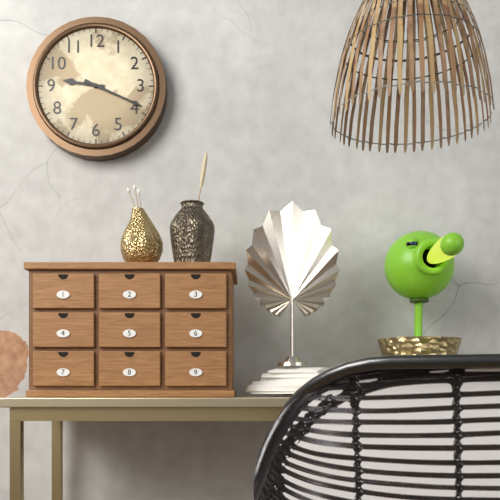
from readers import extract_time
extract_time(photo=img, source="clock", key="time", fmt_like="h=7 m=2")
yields h=9 m=19
